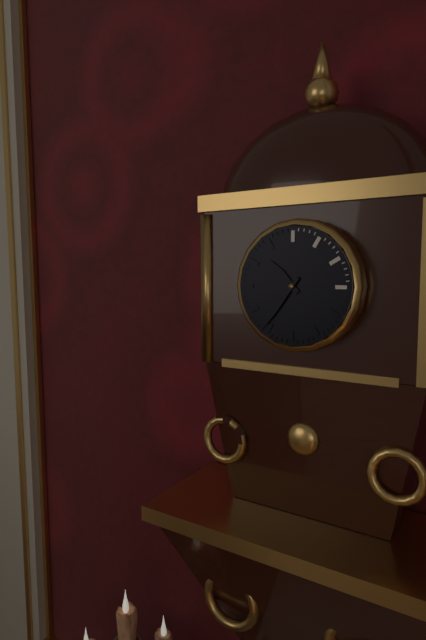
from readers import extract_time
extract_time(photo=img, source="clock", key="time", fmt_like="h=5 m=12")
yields h=10 m=36
